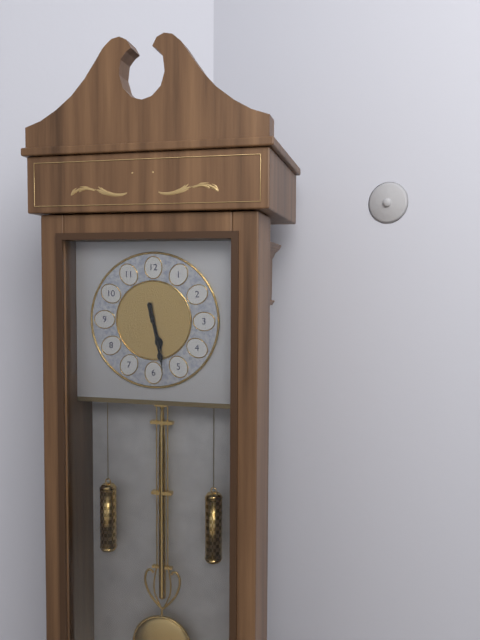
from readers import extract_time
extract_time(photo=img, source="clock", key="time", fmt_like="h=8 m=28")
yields h=5 m=28
